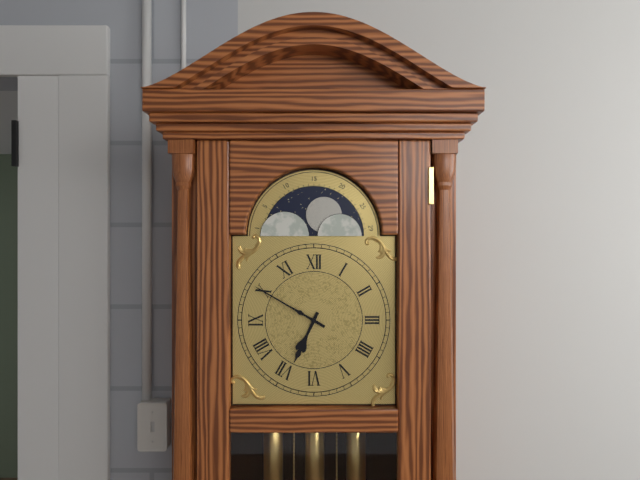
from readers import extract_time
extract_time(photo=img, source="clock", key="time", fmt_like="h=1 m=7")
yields h=6 m=50
